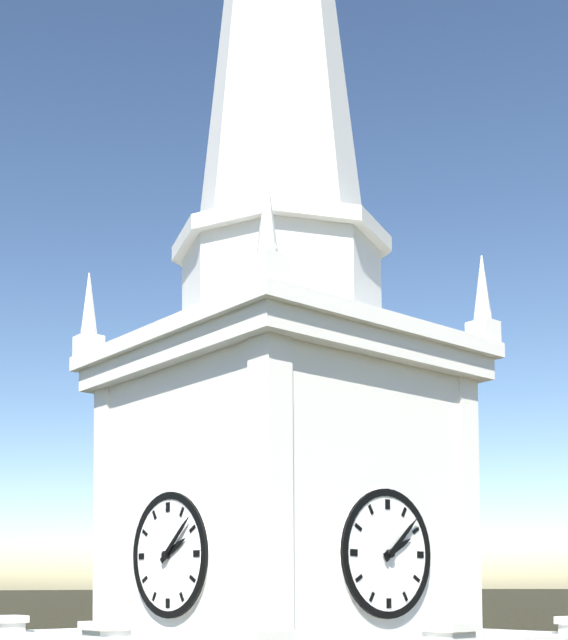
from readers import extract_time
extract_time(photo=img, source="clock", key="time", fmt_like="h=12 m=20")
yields h=2 m=8
